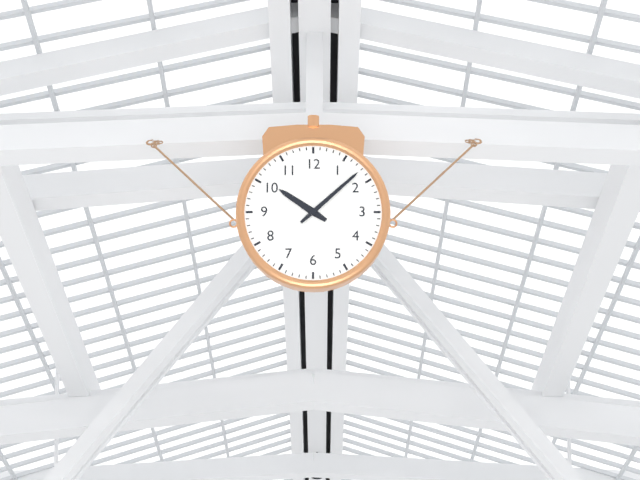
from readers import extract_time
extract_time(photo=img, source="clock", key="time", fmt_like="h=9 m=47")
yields h=10 m=8
